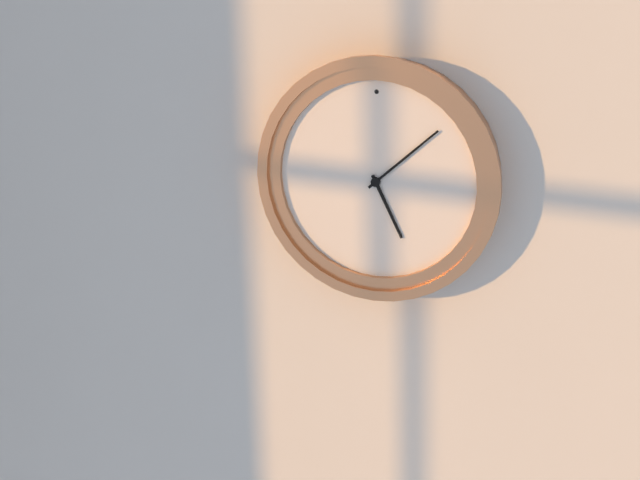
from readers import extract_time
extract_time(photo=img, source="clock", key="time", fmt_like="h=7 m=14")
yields h=5 m=8
